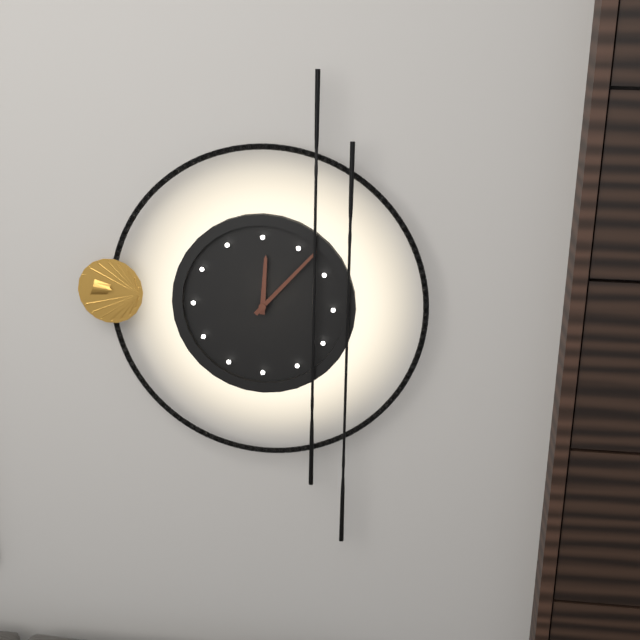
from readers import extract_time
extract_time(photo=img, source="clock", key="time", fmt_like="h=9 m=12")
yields h=12 m=7
